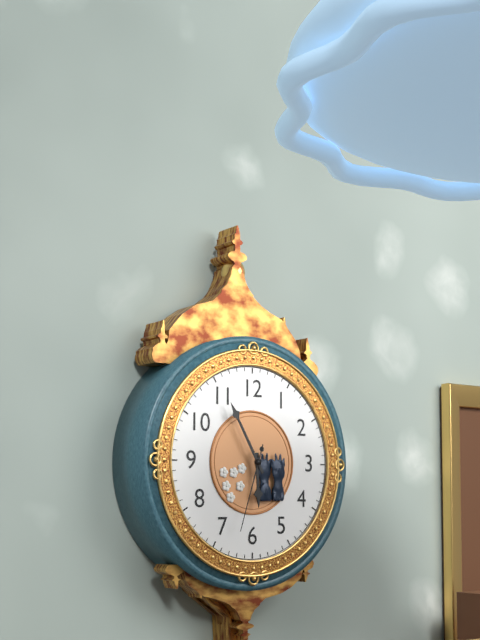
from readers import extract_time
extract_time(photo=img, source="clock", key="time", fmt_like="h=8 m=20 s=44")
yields h=5 m=55 s=33
